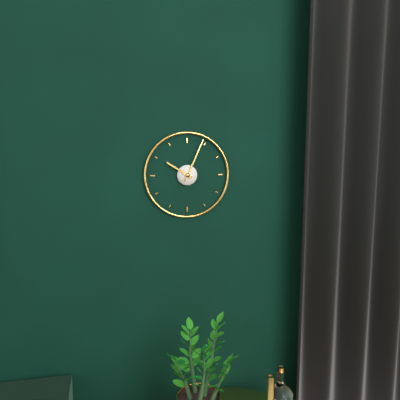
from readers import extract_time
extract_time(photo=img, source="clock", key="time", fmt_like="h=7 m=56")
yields h=10 m=4
